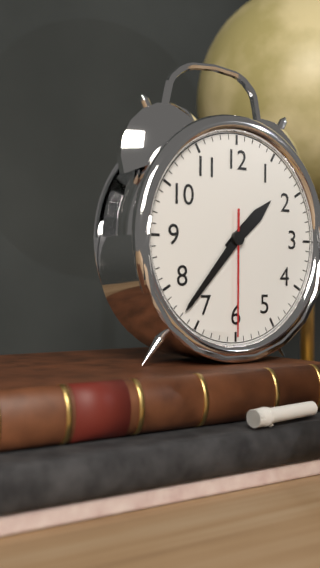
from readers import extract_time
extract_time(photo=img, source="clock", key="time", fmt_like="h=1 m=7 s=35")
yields h=1 m=37 s=30
